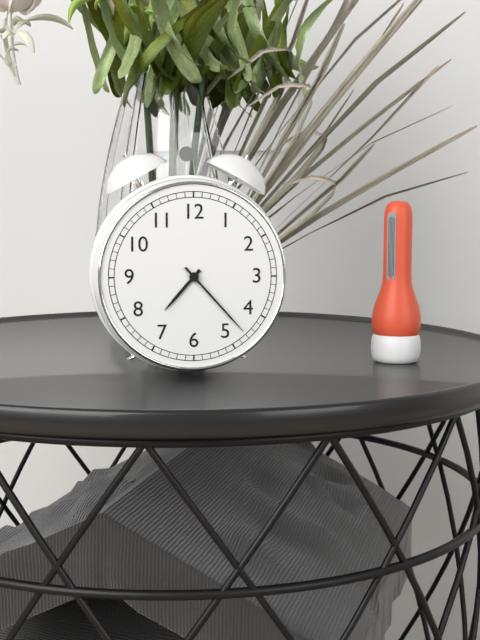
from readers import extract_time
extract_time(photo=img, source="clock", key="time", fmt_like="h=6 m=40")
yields h=7 m=23
